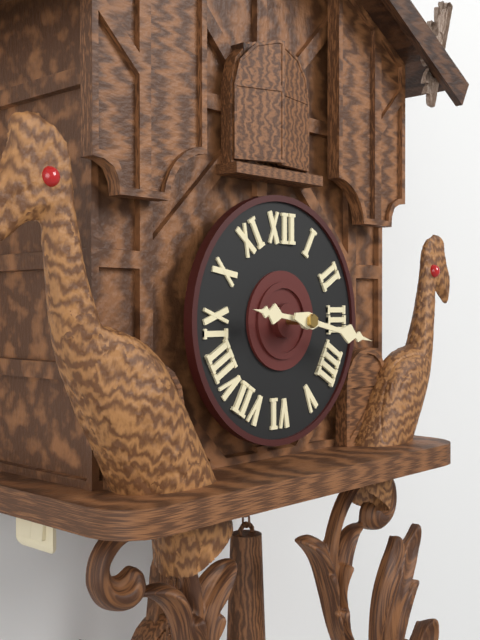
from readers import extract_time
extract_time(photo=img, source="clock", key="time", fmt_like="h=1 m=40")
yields h=9 m=17
